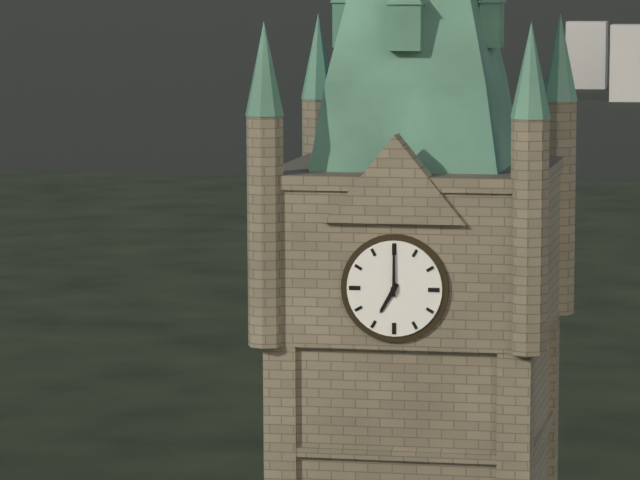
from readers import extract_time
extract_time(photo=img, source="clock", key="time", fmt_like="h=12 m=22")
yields h=7 m=0
